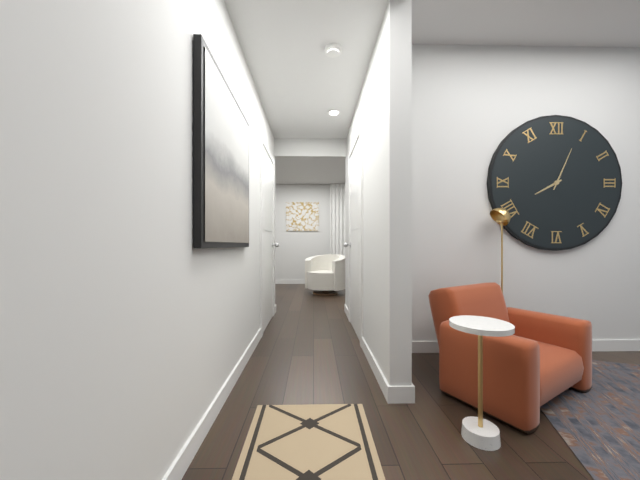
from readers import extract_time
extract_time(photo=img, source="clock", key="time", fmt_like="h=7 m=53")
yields h=8 m=4
